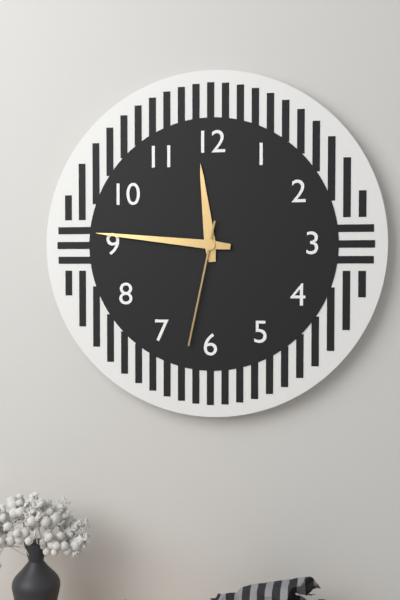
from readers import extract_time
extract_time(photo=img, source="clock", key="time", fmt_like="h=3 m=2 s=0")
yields h=11 m=46 s=32
